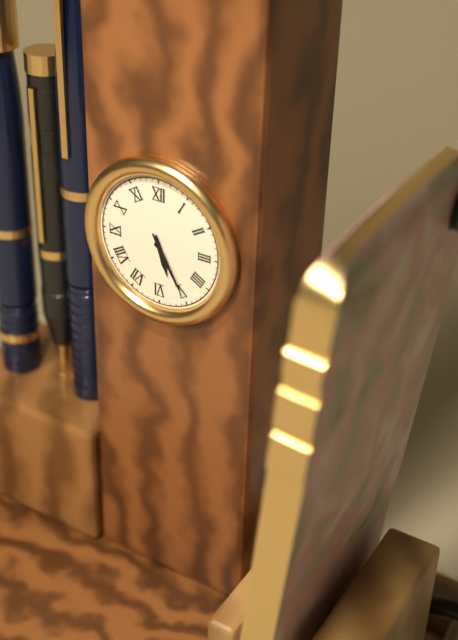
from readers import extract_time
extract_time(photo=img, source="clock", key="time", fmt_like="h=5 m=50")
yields h=5 m=25
